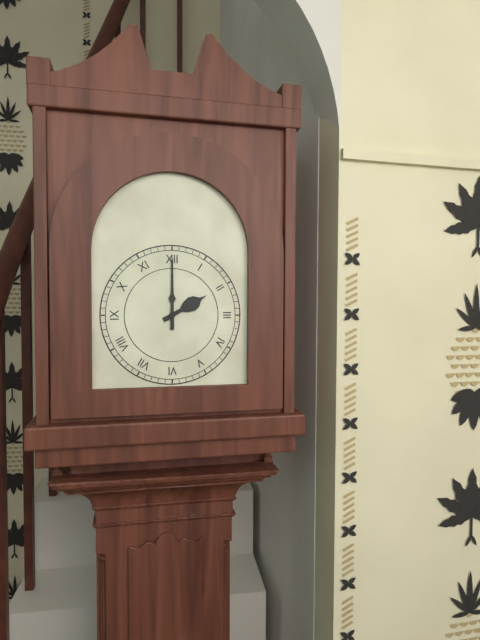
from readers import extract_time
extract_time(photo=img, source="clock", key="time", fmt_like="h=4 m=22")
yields h=2 m=0
